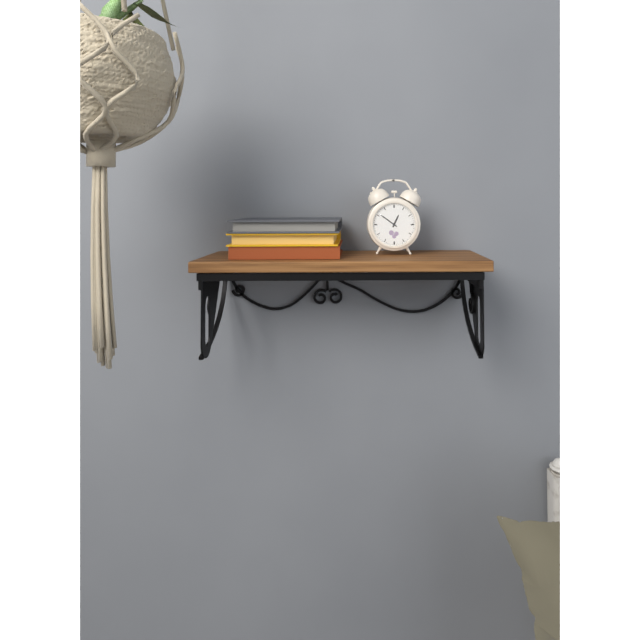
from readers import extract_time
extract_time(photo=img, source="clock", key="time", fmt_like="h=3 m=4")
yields h=12 m=51
